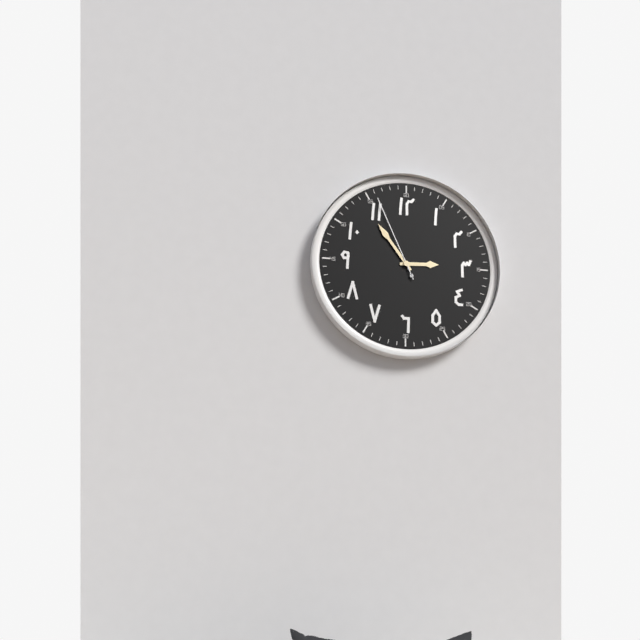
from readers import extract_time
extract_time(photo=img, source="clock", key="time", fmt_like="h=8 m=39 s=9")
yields h=2 m=54 s=56
